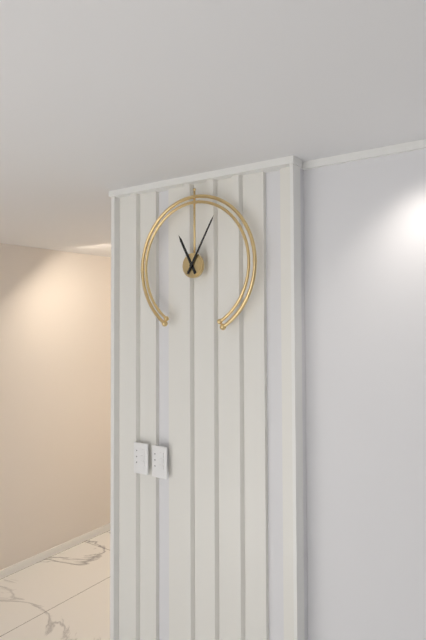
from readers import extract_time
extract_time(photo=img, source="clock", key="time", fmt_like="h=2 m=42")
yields h=11 m=5
